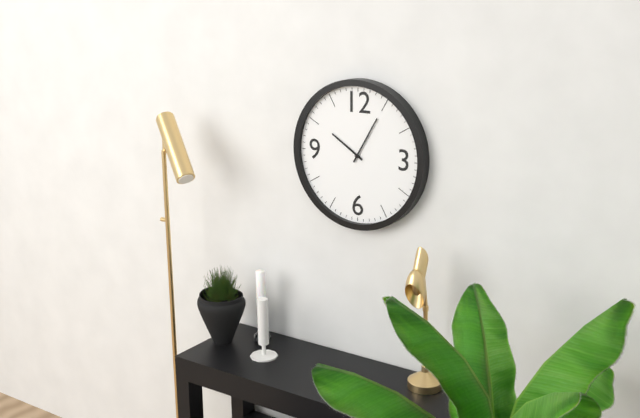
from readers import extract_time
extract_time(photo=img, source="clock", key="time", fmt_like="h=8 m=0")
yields h=10 m=5
